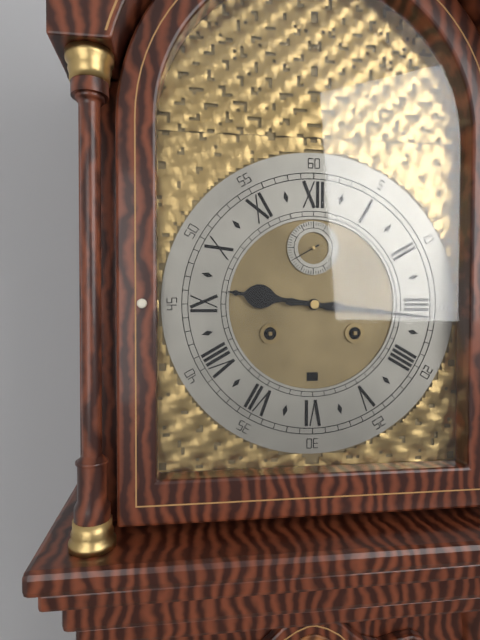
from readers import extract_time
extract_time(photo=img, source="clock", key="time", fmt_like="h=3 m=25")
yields h=9 m=16
